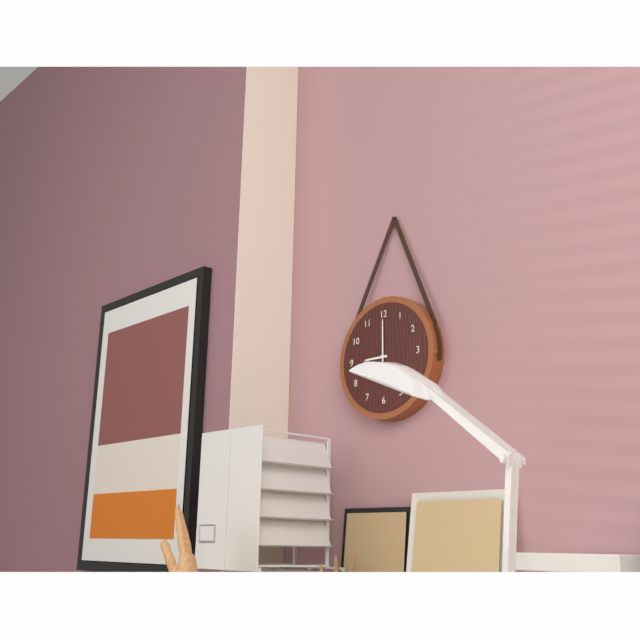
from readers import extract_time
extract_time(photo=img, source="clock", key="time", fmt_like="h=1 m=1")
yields h=9 m=0
